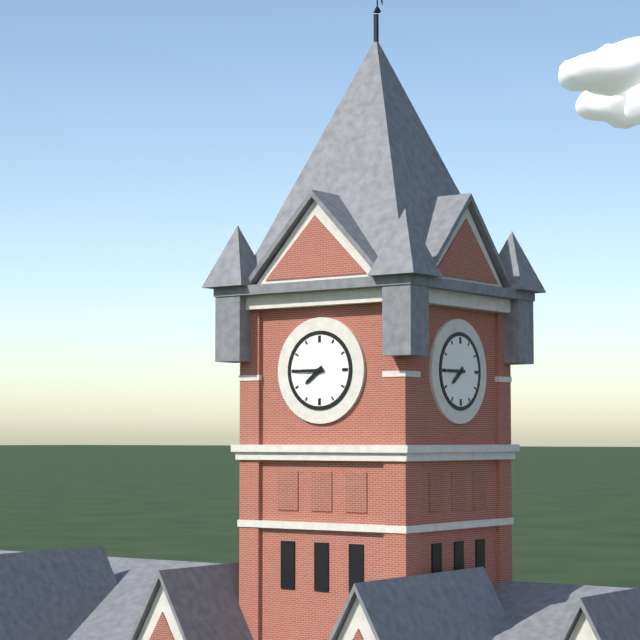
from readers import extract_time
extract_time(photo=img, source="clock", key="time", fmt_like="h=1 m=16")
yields h=7 m=45
